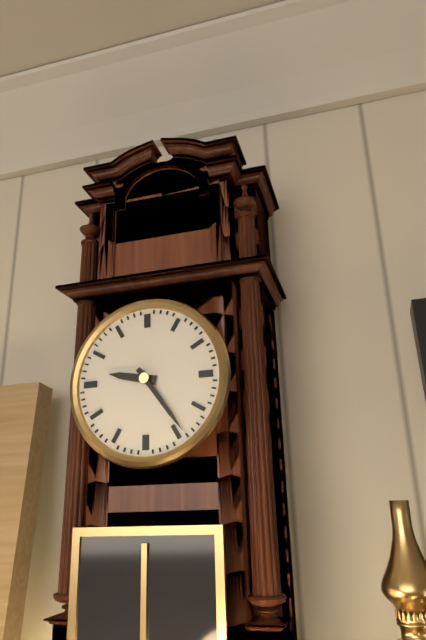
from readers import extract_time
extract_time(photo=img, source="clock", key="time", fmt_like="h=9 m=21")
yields h=9 m=24
